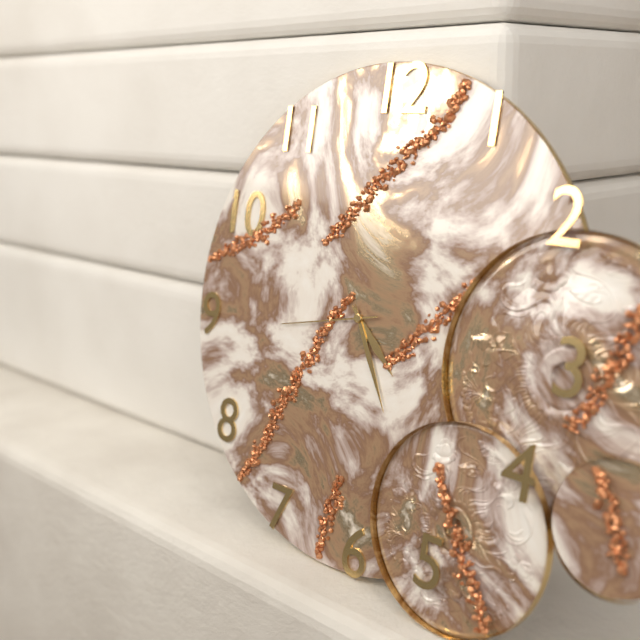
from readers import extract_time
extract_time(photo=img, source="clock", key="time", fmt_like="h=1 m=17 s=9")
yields h=4 m=25 s=43
